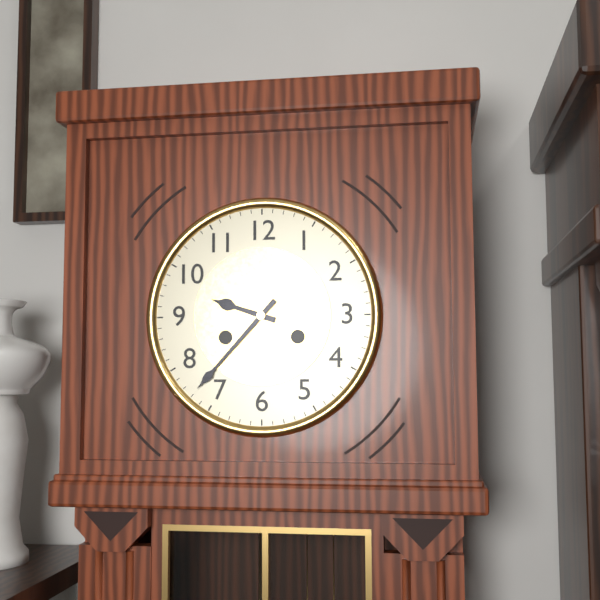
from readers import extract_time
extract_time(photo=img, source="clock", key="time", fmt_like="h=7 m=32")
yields h=9 m=37
